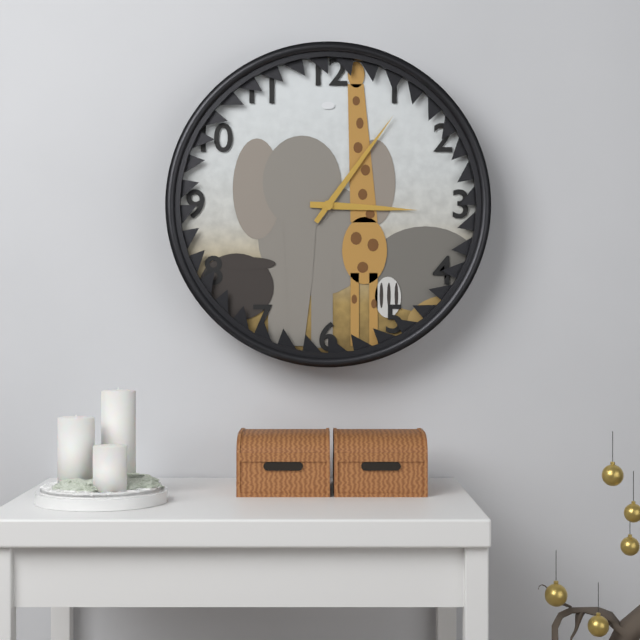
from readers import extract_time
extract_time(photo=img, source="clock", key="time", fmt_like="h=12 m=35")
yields h=3 m=6
